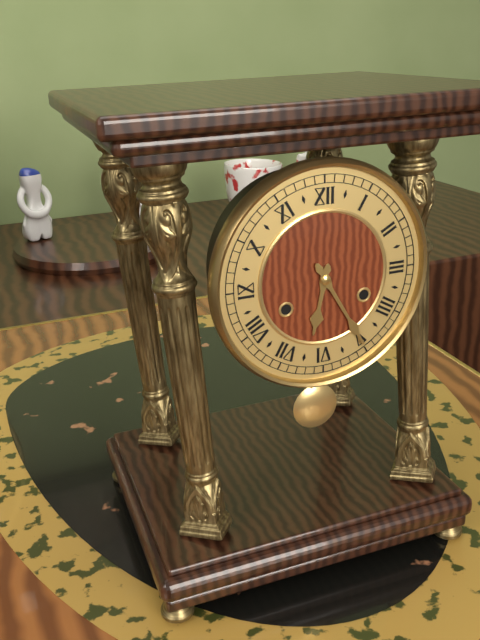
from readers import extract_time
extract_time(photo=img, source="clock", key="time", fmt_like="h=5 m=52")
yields h=6 m=25
